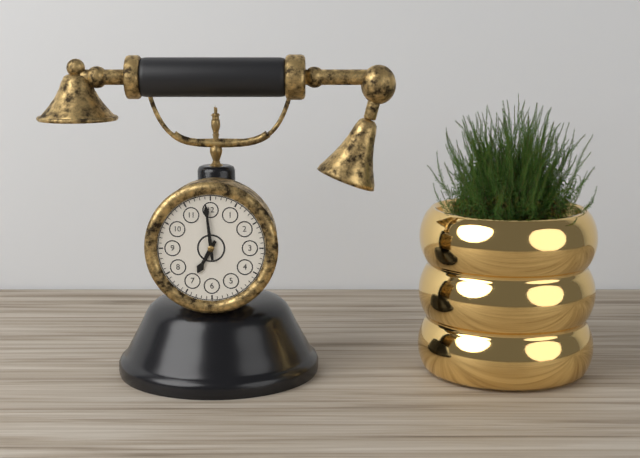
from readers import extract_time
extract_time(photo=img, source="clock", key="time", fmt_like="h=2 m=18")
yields h=6 m=59
